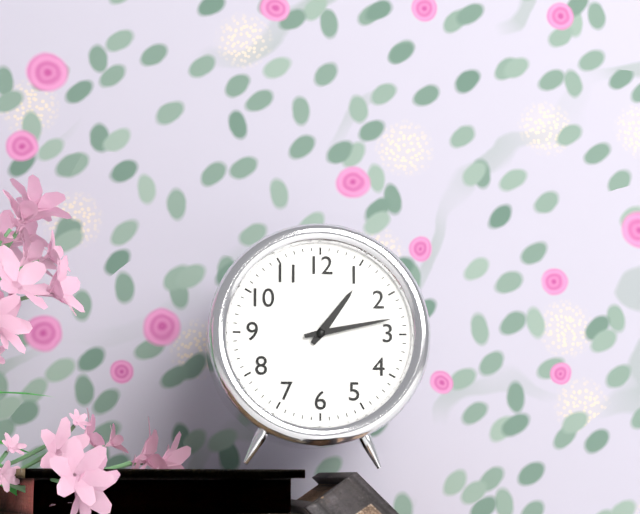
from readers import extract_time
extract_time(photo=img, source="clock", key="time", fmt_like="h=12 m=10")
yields h=1 m=13
